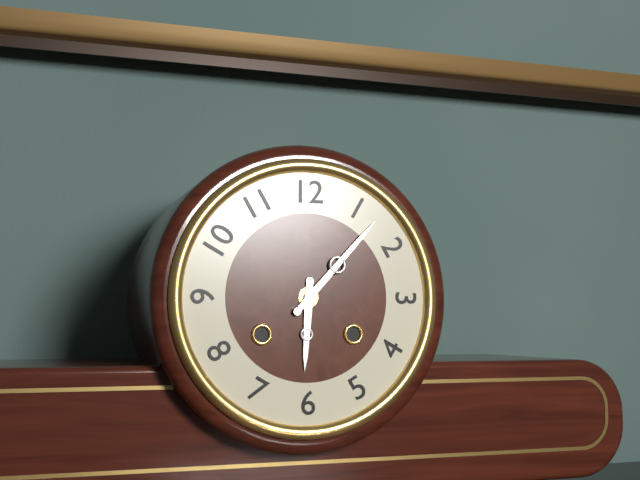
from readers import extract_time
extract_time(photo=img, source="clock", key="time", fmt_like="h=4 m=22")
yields h=6 m=7
